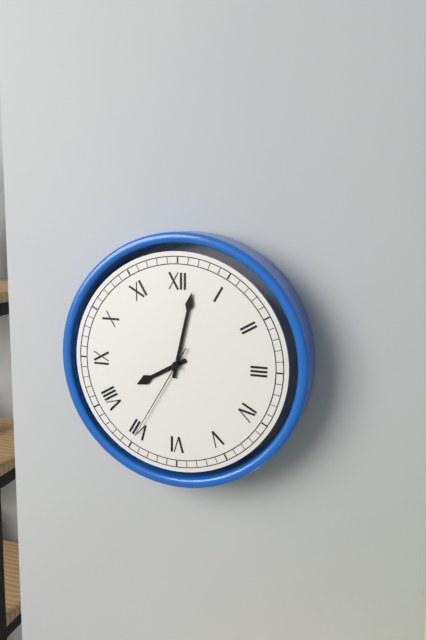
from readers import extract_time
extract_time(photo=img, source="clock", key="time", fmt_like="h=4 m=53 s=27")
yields h=8 m=2 s=35
